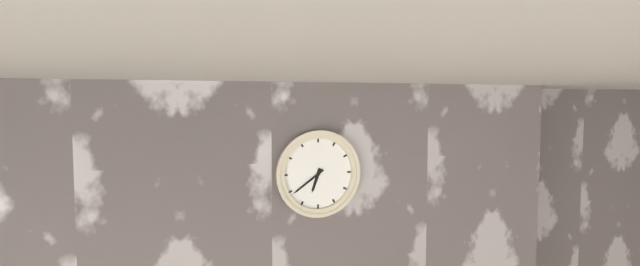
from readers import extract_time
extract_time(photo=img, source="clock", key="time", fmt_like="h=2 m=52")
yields h=6 m=39
